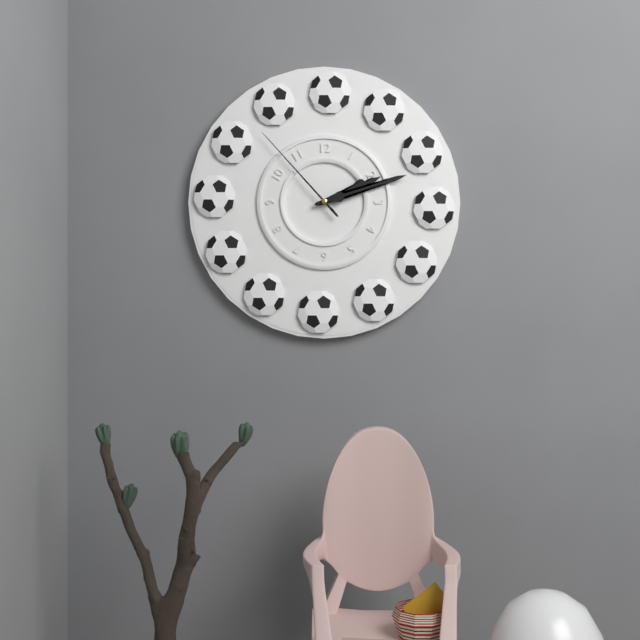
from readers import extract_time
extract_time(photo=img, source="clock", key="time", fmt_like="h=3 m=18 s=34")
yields h=2 m=12 s=53
